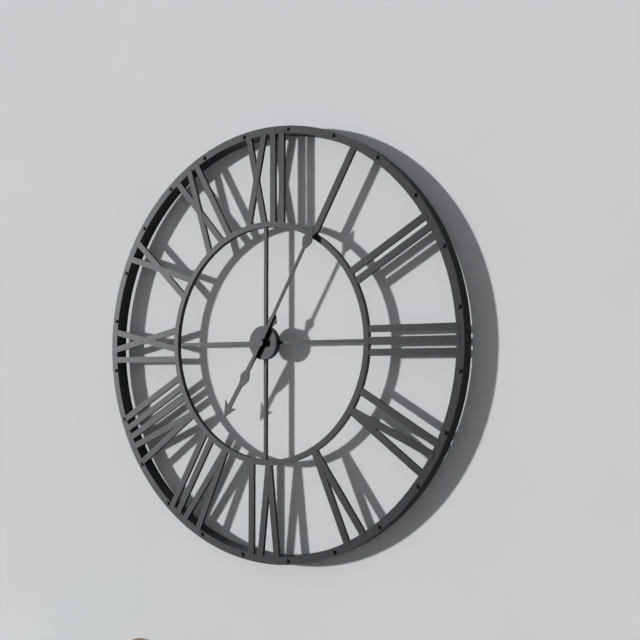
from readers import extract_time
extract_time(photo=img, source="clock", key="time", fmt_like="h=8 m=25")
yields h=7 m=5
